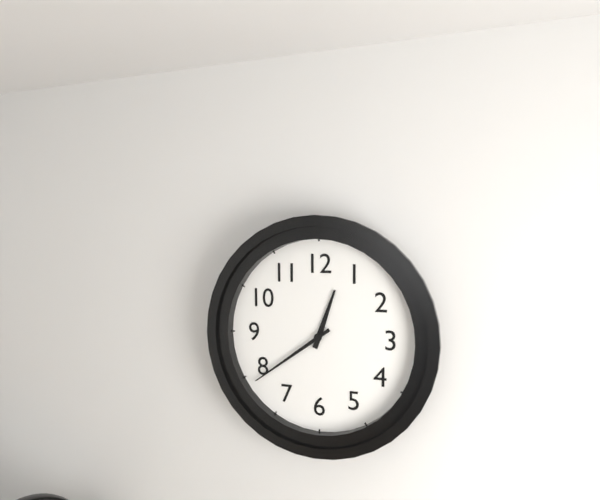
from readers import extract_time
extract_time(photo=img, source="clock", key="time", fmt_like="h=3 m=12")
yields h=12 m=39
